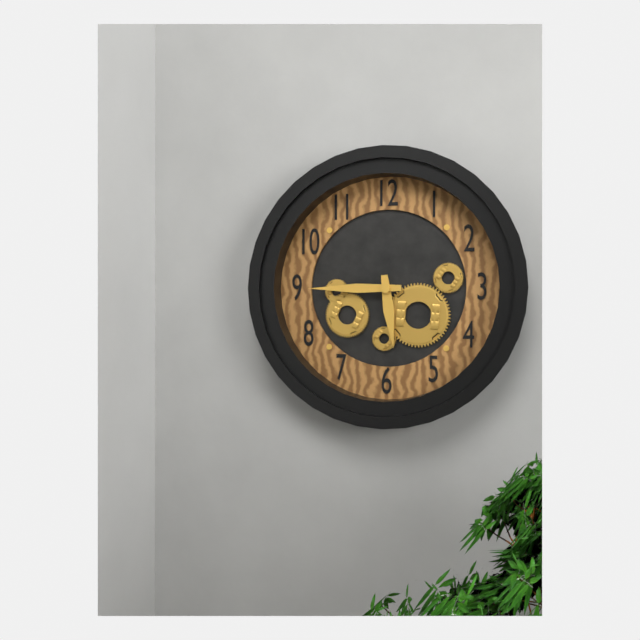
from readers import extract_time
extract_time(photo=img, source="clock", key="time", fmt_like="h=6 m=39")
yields h=5 m=45
